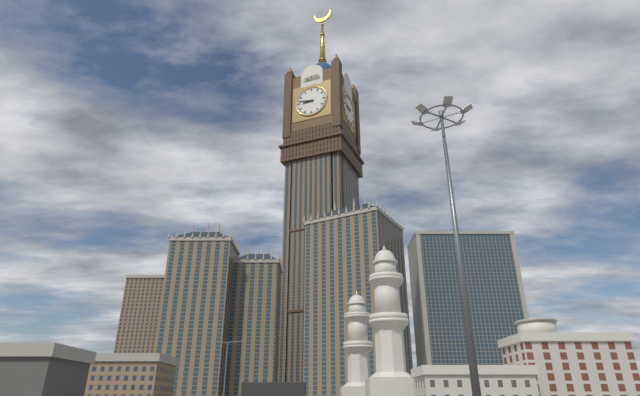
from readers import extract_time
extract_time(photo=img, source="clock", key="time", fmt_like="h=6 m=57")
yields h=8 m=47
